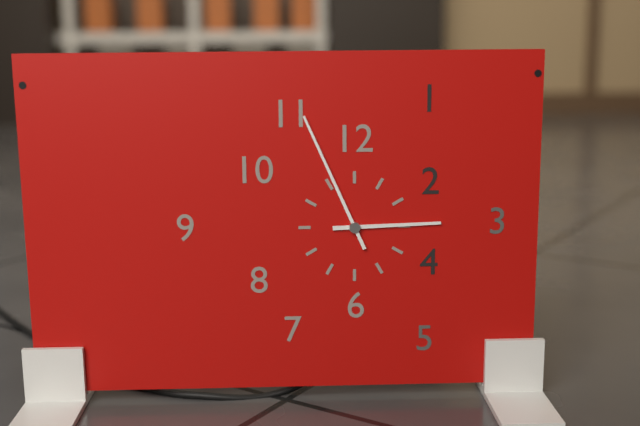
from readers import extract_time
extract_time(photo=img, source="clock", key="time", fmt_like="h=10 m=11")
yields h=2 m=56
